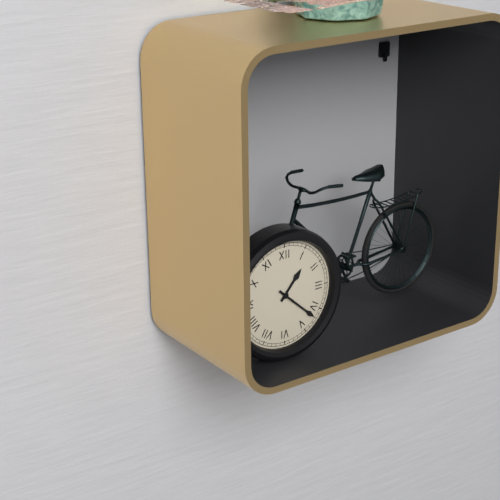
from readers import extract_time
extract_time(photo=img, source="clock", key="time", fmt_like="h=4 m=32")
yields h=1 m=22
